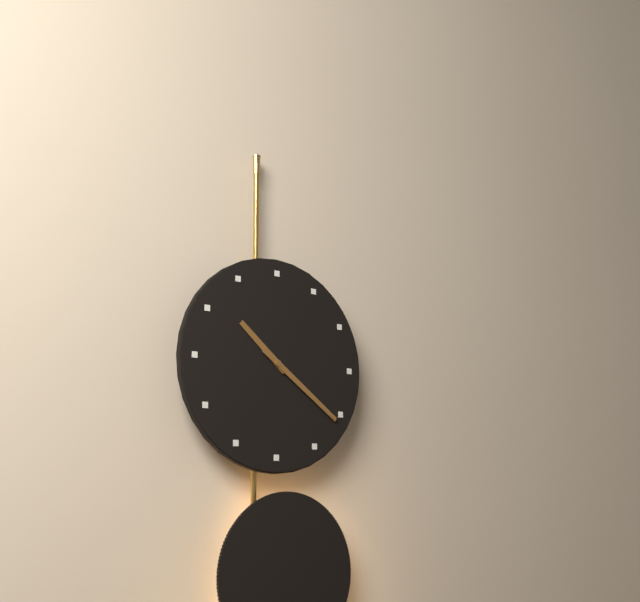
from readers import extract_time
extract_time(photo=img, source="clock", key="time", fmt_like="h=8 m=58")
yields h=10 m=21
